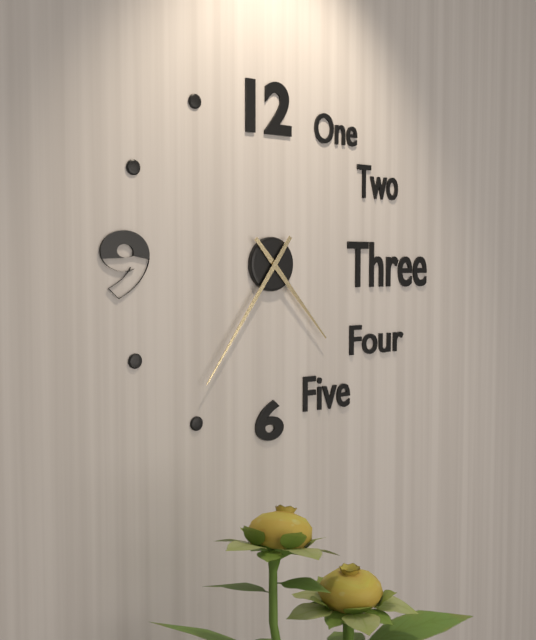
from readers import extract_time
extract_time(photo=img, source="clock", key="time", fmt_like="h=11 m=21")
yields h=4 m=36
